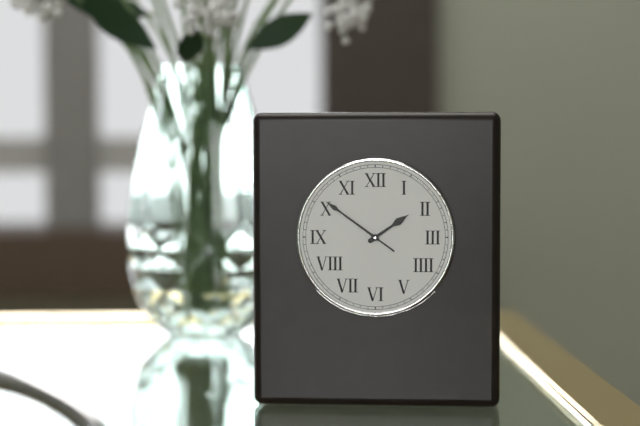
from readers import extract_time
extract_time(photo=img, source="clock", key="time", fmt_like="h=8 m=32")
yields h=1 m=51
